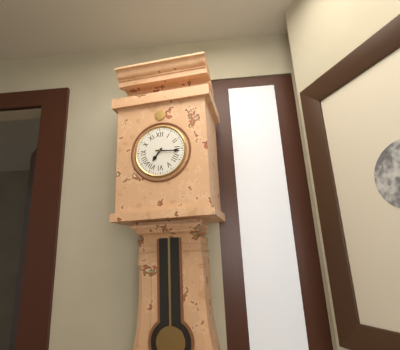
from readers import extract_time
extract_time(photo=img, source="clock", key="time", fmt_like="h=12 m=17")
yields h=7 m=16
